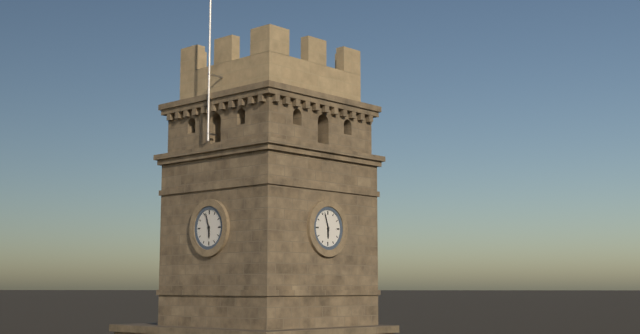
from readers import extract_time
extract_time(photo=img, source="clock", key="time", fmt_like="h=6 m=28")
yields h=5 m=57
